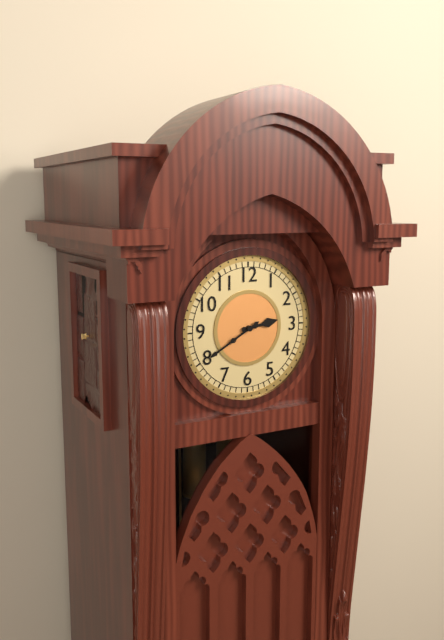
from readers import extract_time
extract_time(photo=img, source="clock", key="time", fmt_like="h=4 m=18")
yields h=2 m=40
